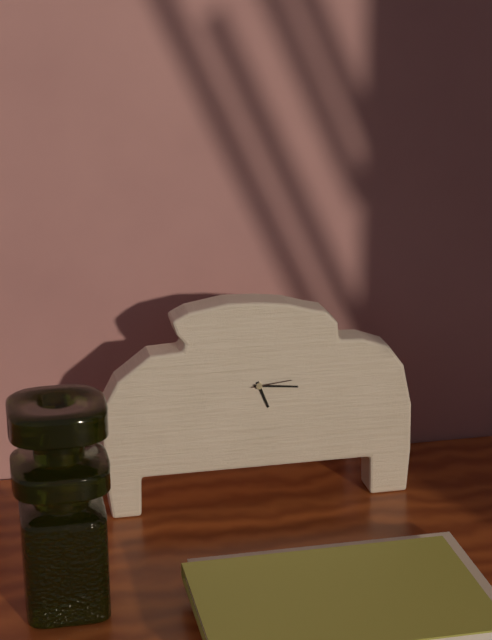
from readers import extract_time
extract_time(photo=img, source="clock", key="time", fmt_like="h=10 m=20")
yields h=5 m=16
